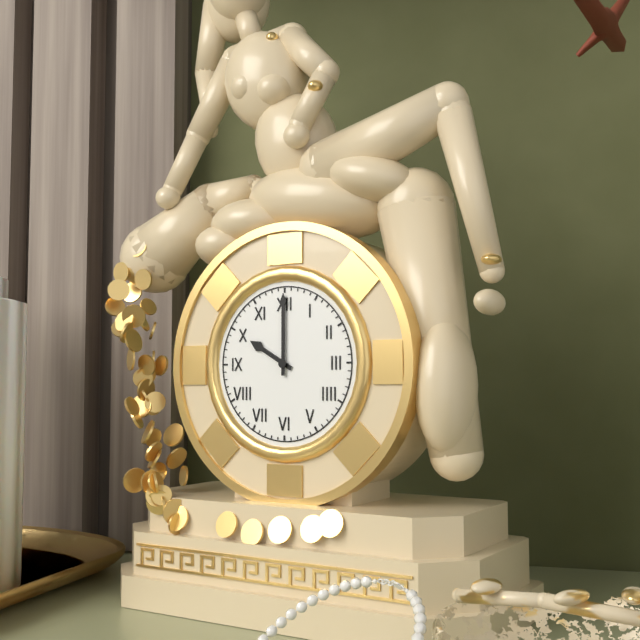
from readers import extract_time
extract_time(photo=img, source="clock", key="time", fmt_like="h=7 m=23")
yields h=10 m=0
